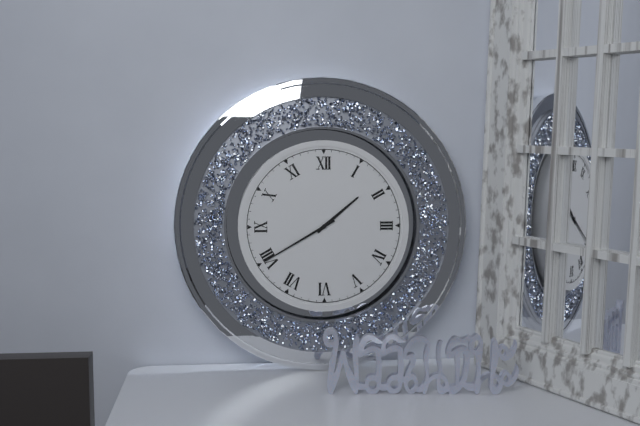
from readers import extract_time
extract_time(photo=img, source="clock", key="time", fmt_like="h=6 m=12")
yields h=1 m=40
